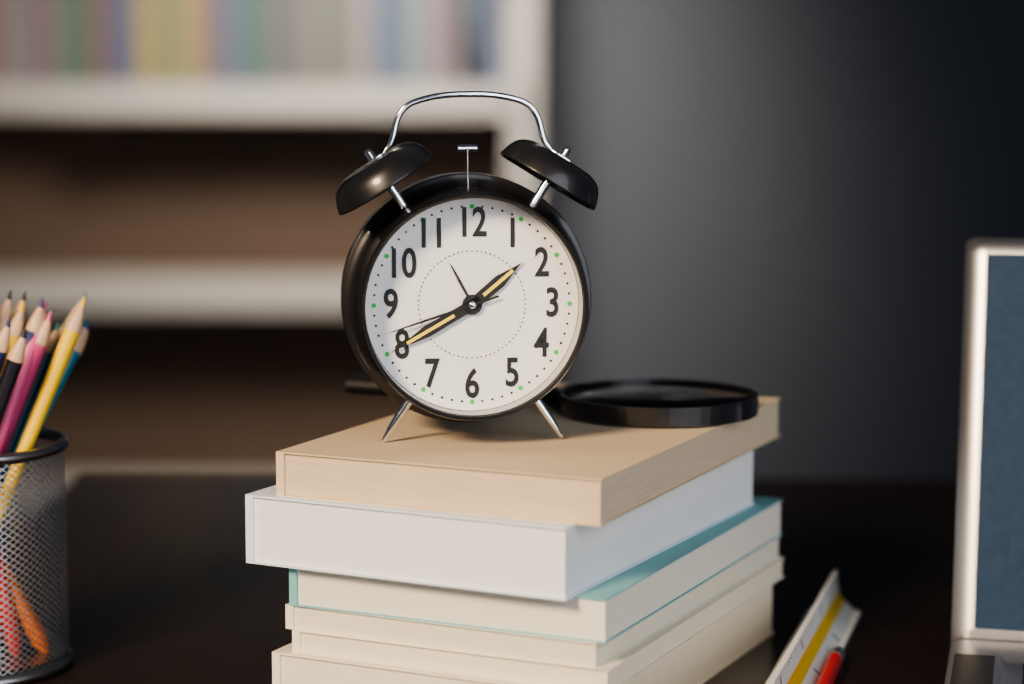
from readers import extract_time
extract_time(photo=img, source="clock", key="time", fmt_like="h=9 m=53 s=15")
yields h=1 m=40 s=42
